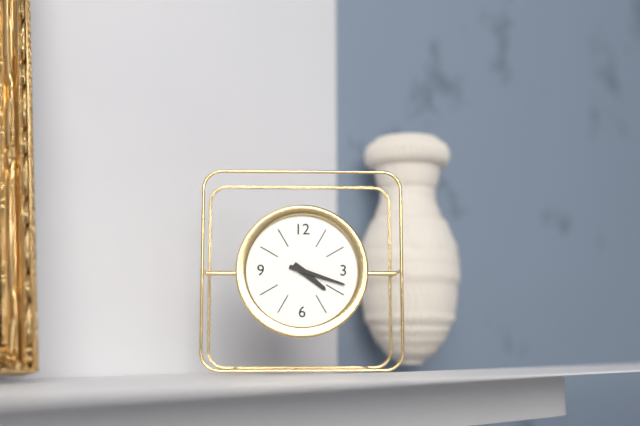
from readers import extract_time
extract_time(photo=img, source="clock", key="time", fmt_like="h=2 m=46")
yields h=4 m=18
